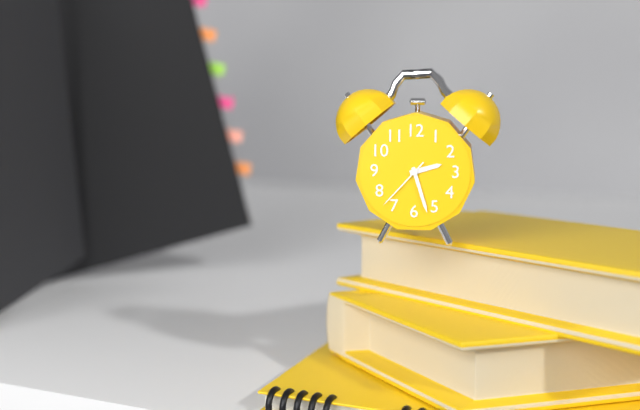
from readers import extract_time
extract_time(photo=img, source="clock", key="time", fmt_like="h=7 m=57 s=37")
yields h=2 m=27 s=37
